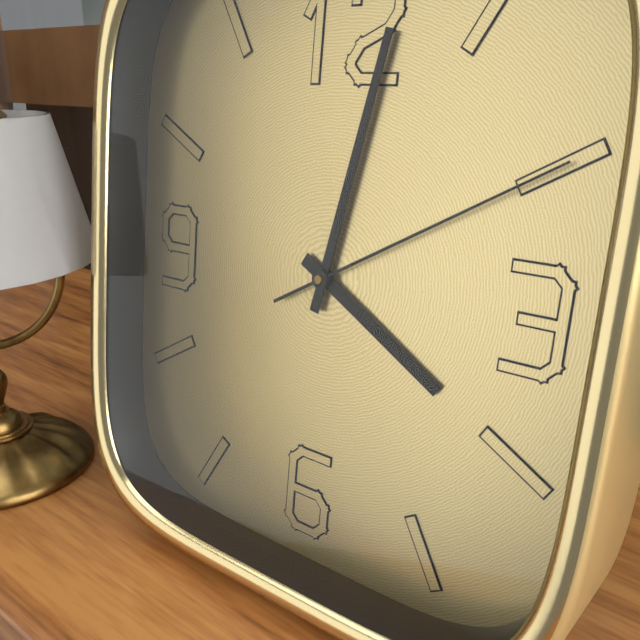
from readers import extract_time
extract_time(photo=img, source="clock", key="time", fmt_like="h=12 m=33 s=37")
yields h=4 m=2 s=10
